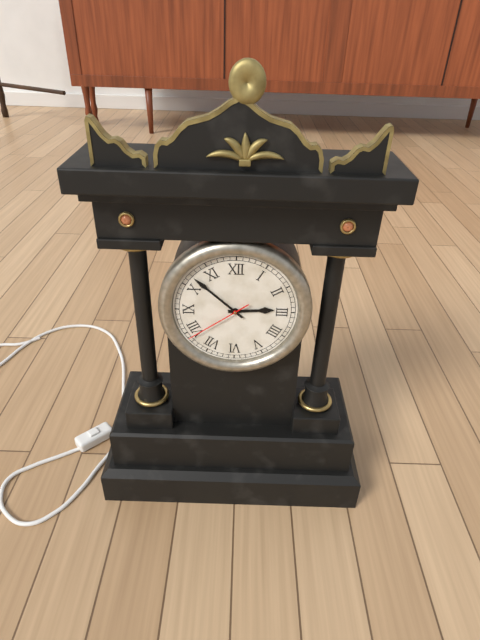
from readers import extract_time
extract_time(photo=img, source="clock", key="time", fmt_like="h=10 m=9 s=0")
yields h=2 m=52 s=39
